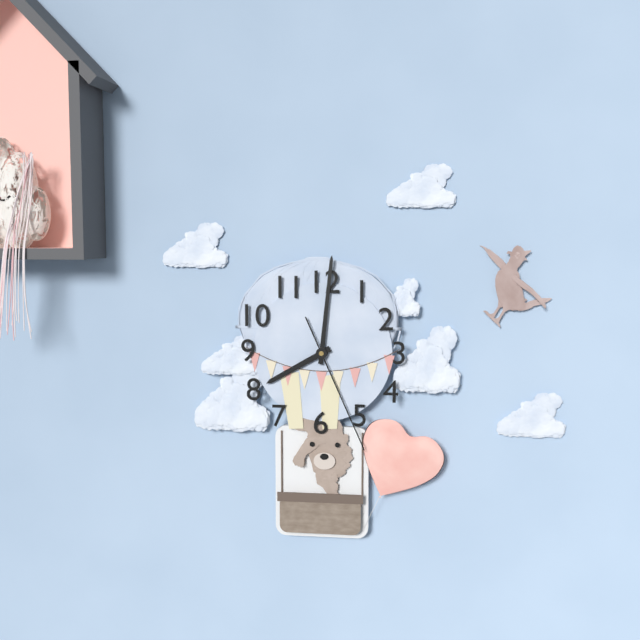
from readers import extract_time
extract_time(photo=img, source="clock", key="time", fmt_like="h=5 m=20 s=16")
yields h=8 m=1 s=26
